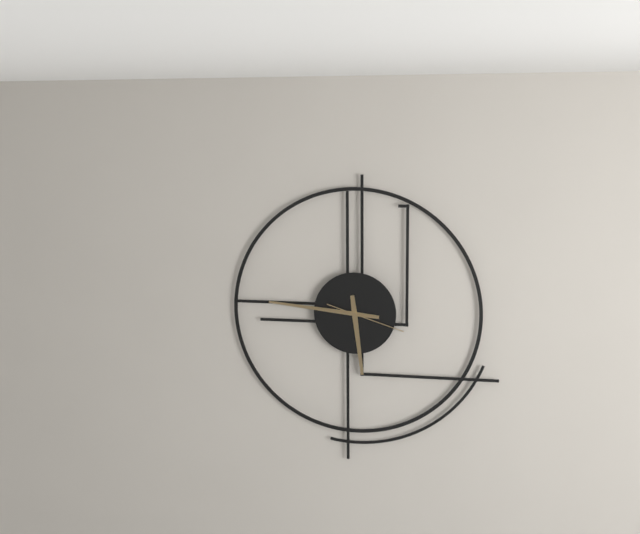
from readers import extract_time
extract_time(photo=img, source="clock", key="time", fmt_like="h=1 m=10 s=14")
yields h=5 m=46 s=18
